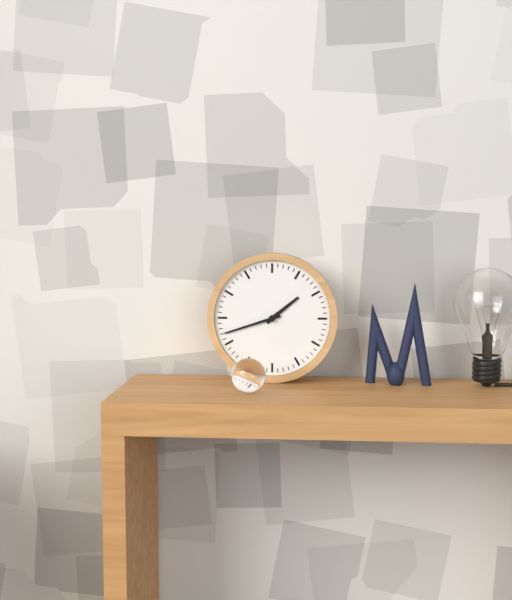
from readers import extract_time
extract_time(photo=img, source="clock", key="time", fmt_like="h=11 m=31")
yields h=1 m=42
